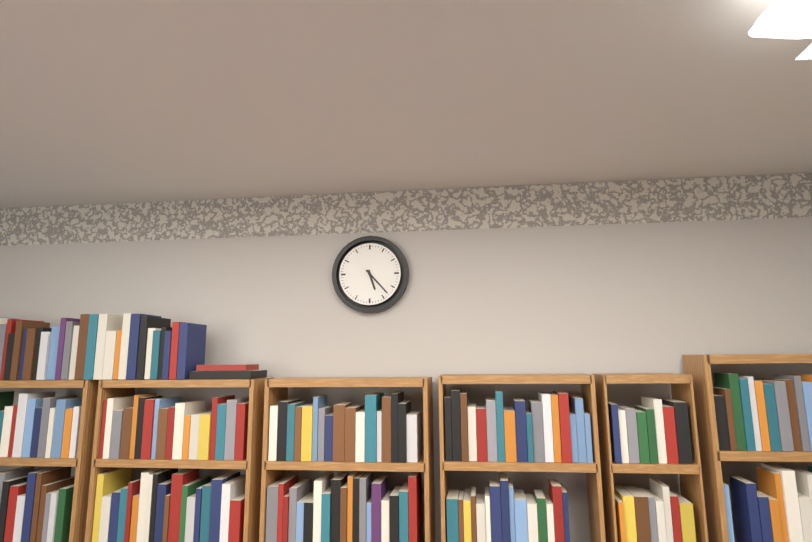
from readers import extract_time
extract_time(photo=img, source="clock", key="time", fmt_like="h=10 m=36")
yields h=5 m=23
